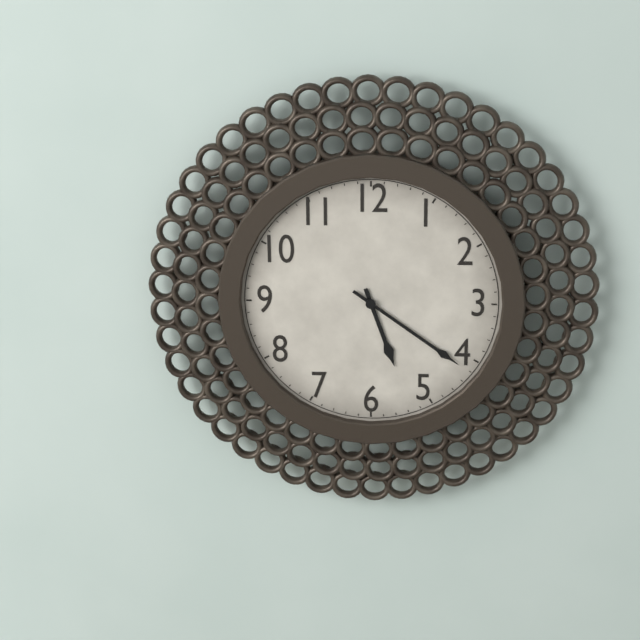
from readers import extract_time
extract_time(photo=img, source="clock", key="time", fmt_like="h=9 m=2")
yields h=5 m=21
